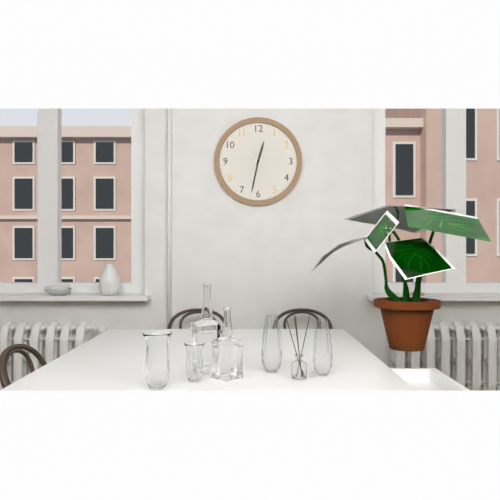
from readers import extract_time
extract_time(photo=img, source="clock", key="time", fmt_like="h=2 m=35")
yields h=12 m=32
